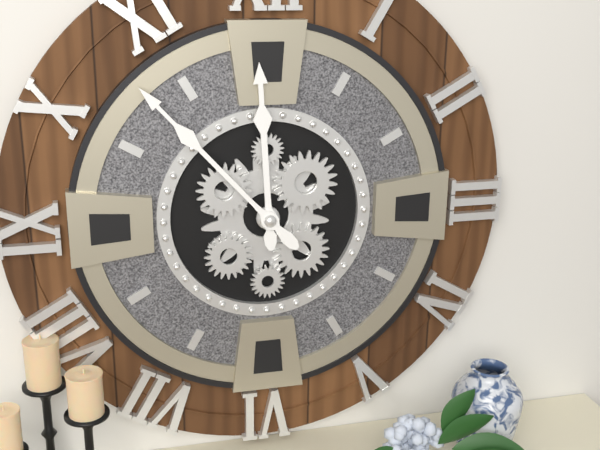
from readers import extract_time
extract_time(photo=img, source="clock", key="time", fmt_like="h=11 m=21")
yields h=11 m=53
